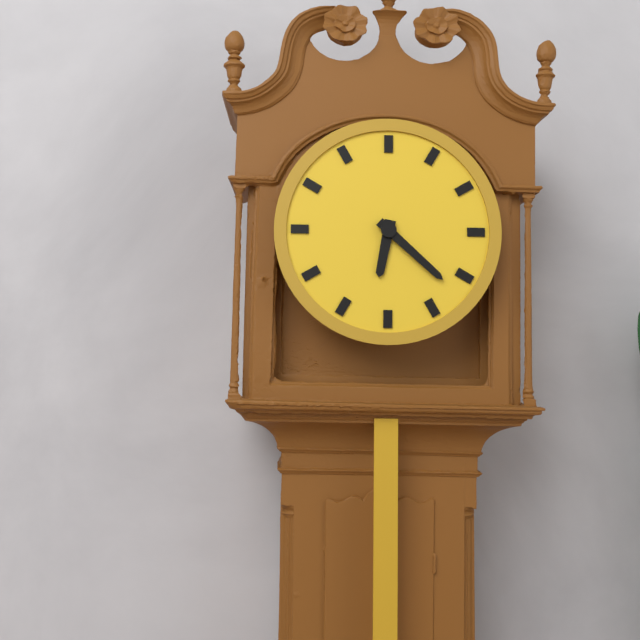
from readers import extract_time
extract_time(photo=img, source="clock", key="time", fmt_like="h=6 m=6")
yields h=6 m=22
